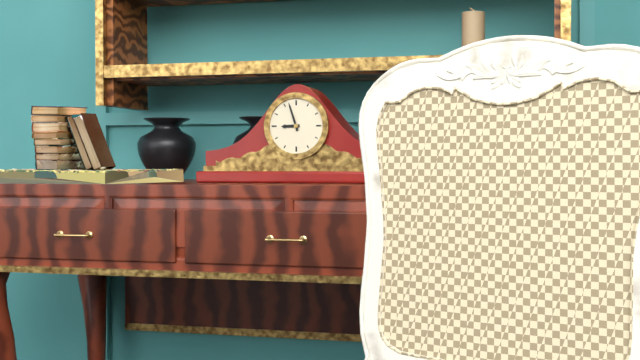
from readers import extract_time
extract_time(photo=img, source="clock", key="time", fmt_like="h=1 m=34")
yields h=8 m=57
